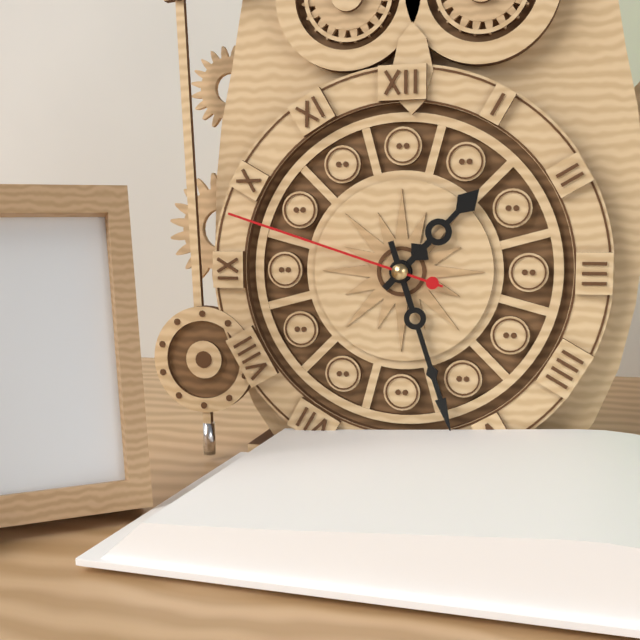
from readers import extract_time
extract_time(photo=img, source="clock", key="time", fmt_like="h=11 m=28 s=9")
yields h=1 m=27 s=48
